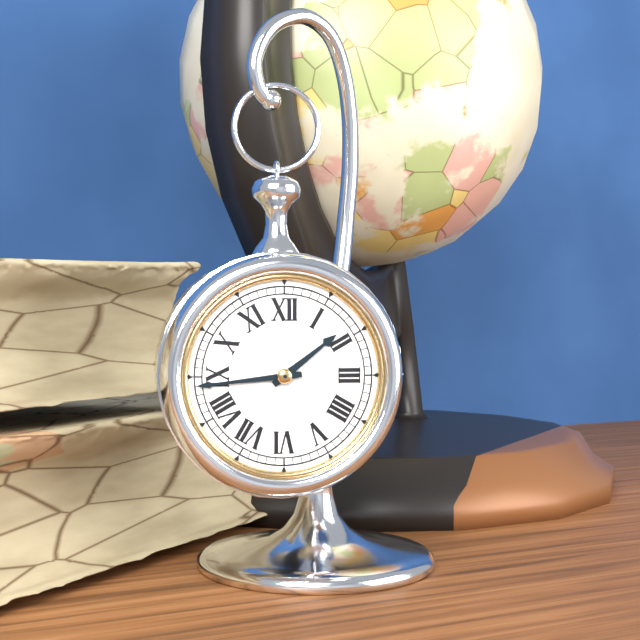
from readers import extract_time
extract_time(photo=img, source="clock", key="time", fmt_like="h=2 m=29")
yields h=1 m=44
